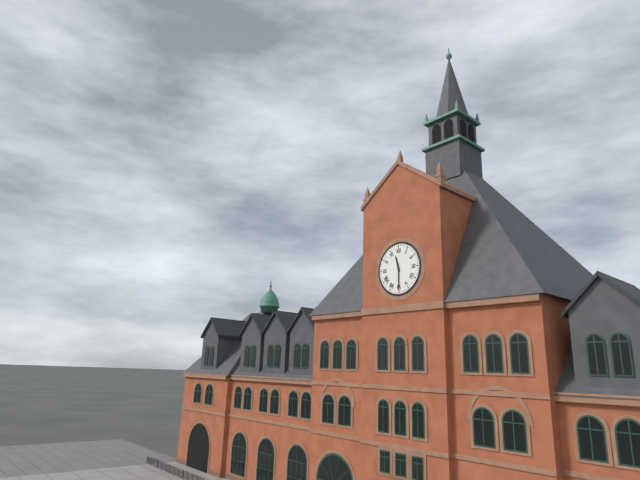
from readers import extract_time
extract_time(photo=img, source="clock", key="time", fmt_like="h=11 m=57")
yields h=11 m=30
